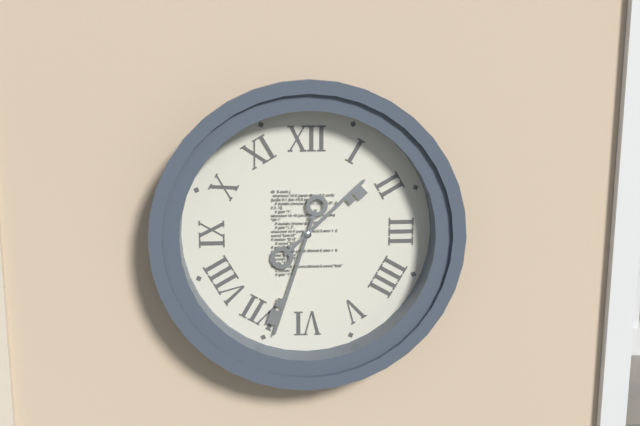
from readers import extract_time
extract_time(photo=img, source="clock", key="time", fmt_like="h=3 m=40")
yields h=1 m=33
